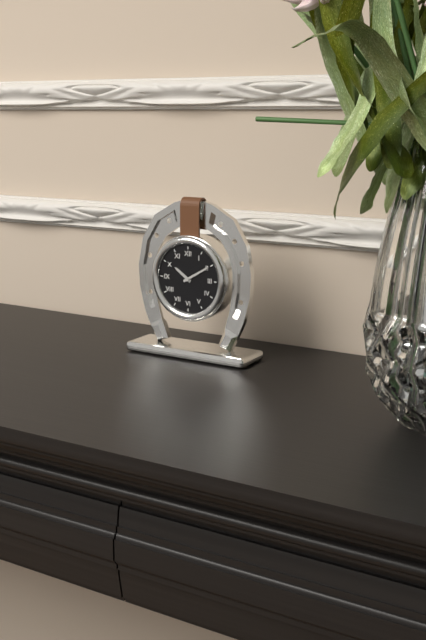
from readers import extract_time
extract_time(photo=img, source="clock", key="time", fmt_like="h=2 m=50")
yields h=10 m=10
